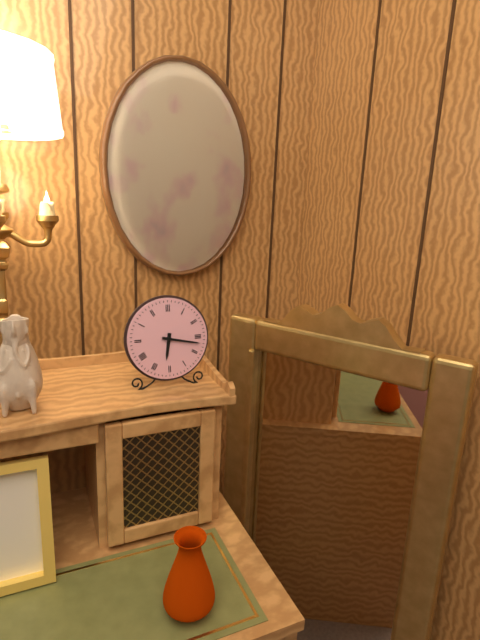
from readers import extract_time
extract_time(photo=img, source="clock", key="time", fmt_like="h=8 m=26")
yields h=6 m=17
